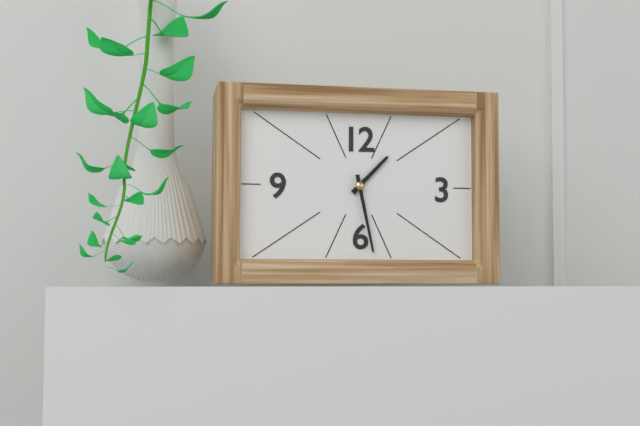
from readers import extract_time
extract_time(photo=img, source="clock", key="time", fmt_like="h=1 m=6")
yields h=1 m=28
